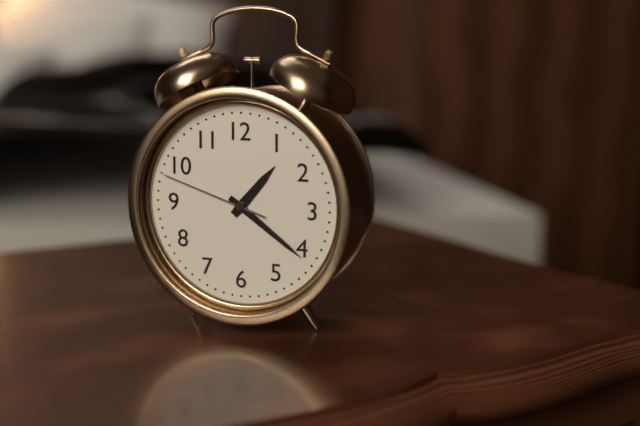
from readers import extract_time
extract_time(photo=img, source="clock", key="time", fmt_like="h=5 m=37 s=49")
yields h=1 m=21 s=48
